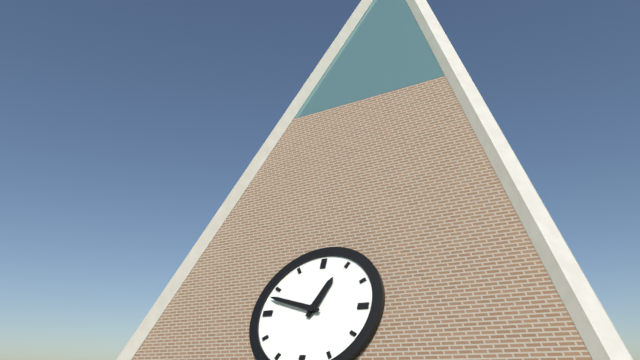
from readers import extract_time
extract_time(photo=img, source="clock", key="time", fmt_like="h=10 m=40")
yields h=12 m=48
